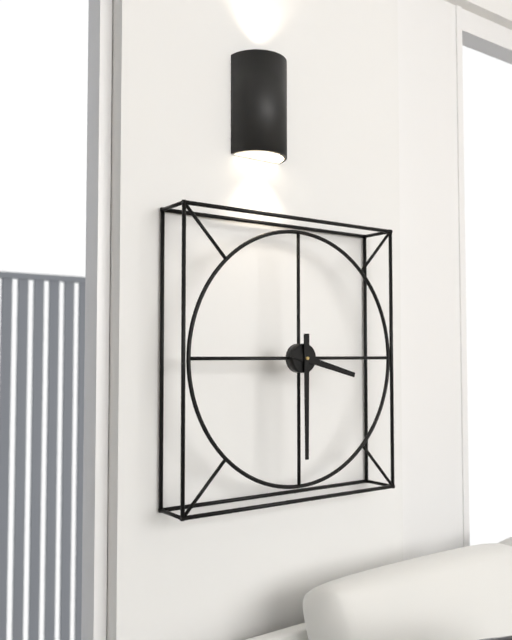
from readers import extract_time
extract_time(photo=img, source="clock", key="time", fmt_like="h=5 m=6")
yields h=3 m=30
